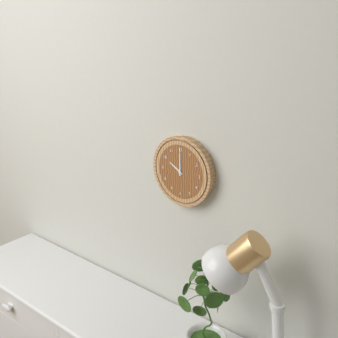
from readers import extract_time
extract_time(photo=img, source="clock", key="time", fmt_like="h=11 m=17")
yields h=10 m=0
